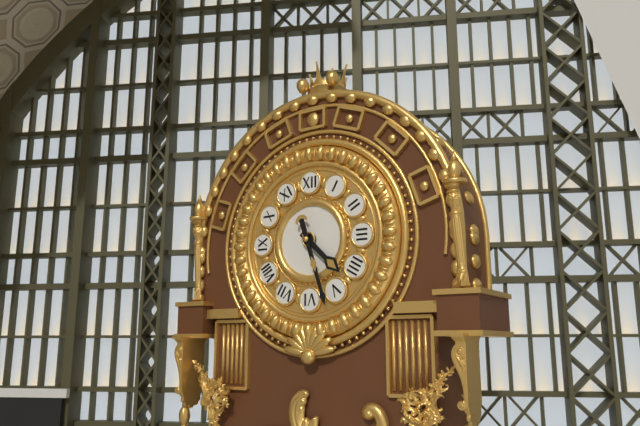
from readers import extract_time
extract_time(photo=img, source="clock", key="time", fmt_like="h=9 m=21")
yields h=4 m=27
